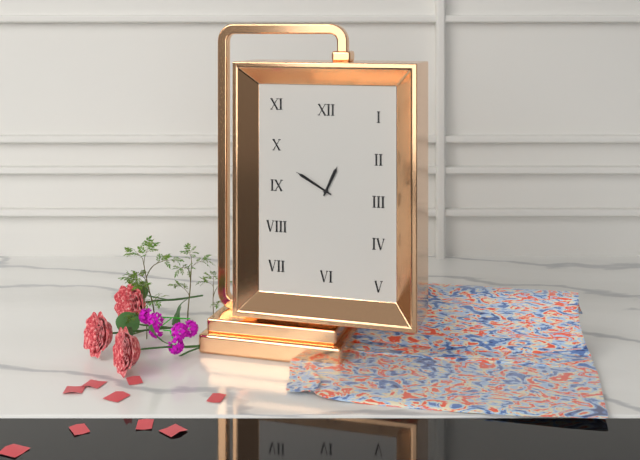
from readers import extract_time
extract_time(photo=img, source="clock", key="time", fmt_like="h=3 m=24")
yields h=12 m=50
